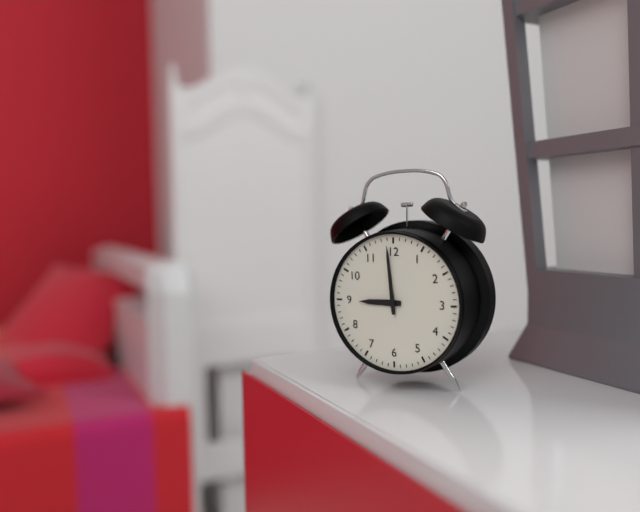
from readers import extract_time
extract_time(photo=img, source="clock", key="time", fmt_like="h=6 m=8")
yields h=8 m=59
